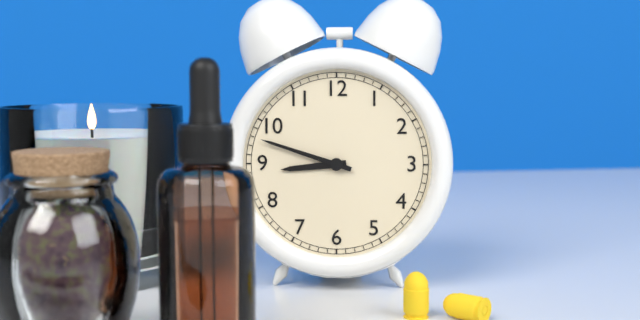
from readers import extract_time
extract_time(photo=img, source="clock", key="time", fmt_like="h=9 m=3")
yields h=8 m=48
